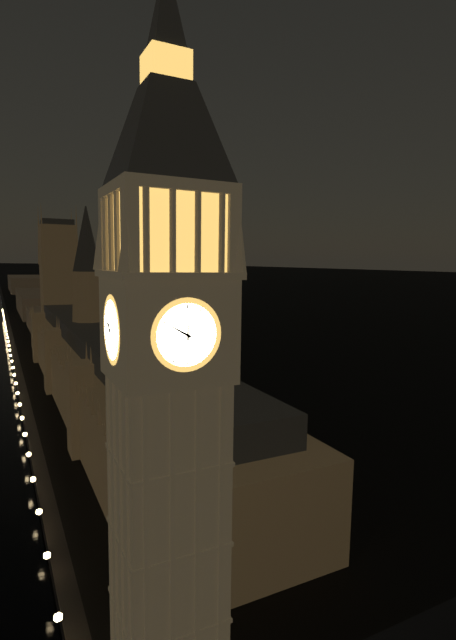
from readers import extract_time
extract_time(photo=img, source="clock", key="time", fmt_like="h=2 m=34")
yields h=10 m=0
